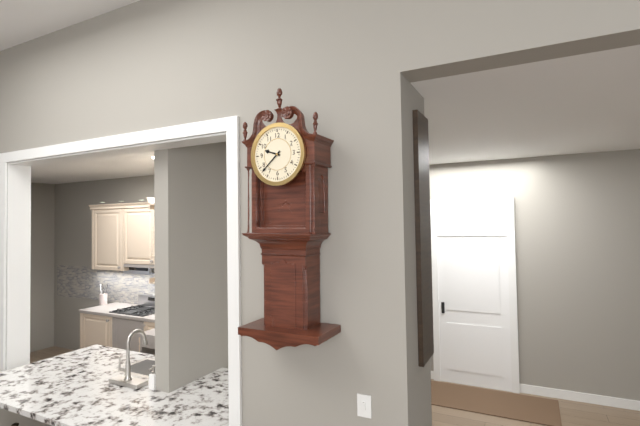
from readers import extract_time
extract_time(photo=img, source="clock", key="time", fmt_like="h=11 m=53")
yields h=9 m=38
